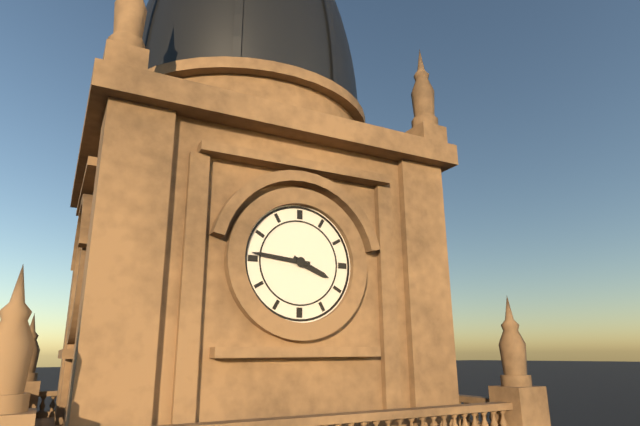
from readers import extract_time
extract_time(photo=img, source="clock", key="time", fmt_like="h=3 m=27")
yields h=3 m=46
